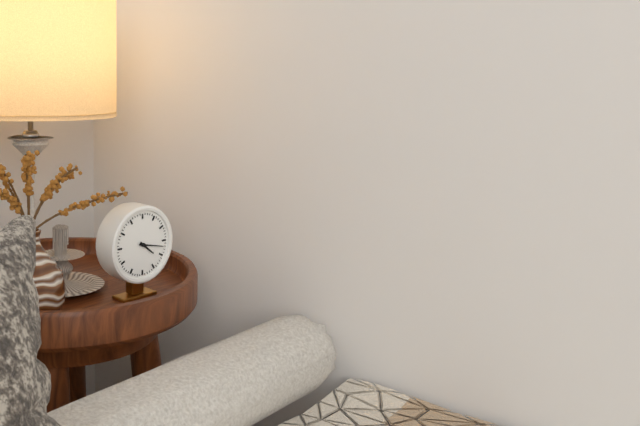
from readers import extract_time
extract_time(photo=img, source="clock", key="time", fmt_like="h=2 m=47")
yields h=4 m=17
